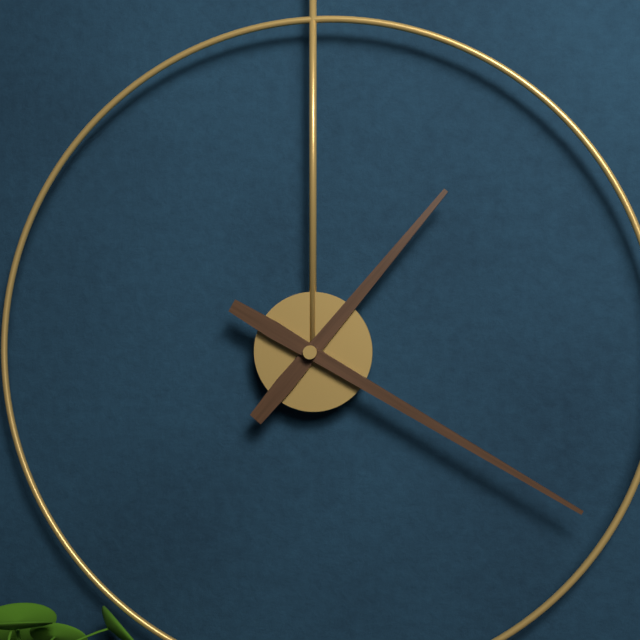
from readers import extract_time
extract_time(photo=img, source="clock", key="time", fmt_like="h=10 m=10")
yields h=1 m=20
